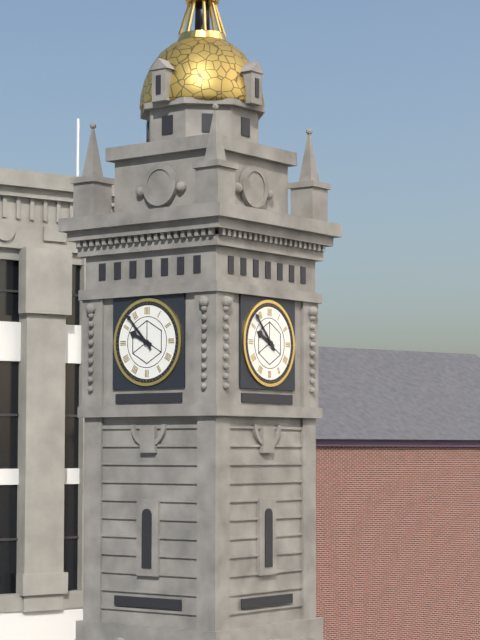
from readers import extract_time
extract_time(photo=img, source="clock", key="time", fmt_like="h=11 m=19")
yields h=9 m=53
